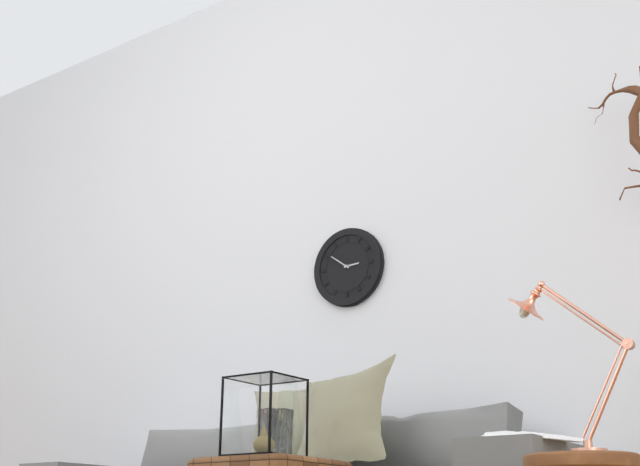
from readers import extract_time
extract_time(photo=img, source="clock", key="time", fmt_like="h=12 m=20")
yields h=2 m=51
